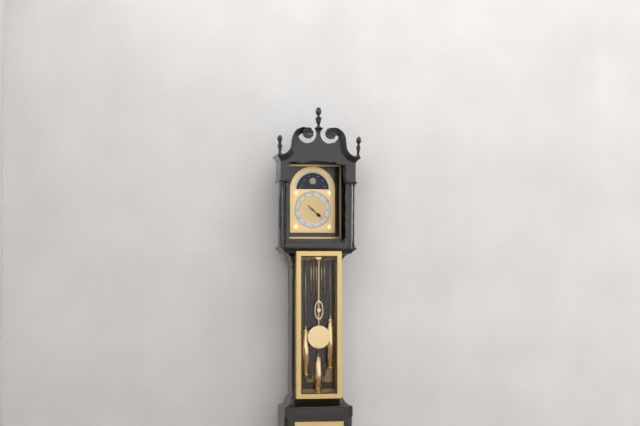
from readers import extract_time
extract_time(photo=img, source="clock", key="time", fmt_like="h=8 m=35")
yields h=4 m=22
